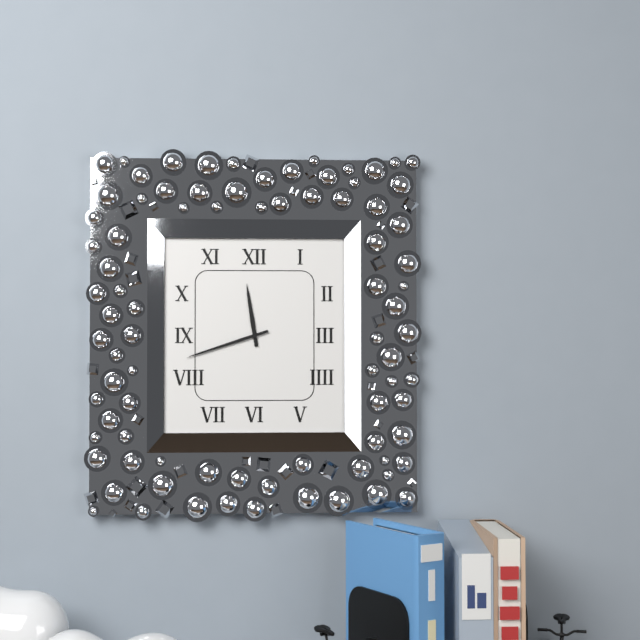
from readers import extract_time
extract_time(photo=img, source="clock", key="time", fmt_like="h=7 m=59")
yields h=11 m=42
